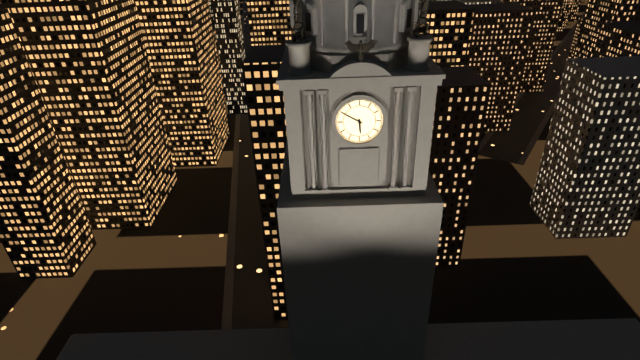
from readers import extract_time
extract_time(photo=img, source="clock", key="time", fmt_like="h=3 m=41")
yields h=5 m=50
